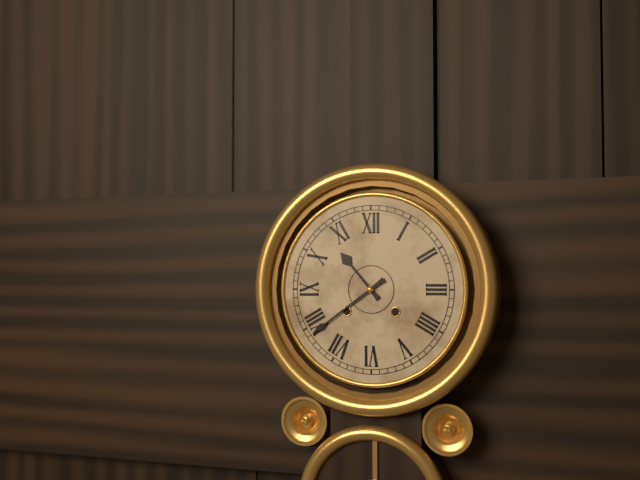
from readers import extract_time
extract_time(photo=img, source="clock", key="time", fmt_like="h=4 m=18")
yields h=10 m=39
